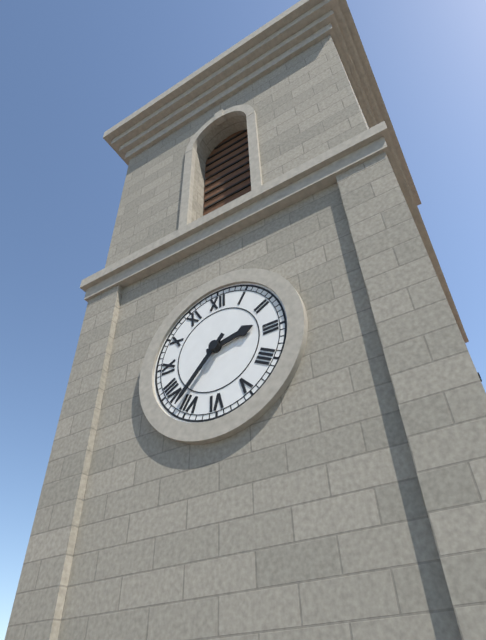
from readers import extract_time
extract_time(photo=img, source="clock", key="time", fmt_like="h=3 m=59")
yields h=2 m=37
